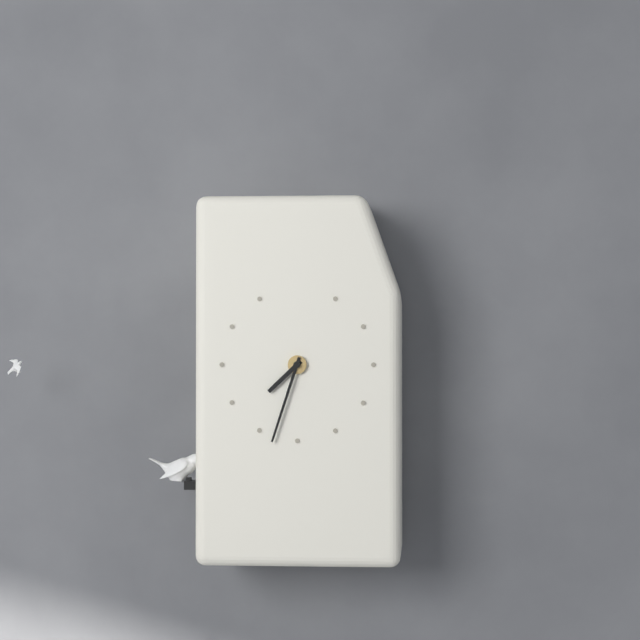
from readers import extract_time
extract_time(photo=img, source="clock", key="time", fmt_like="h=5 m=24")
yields h=7 m=33
